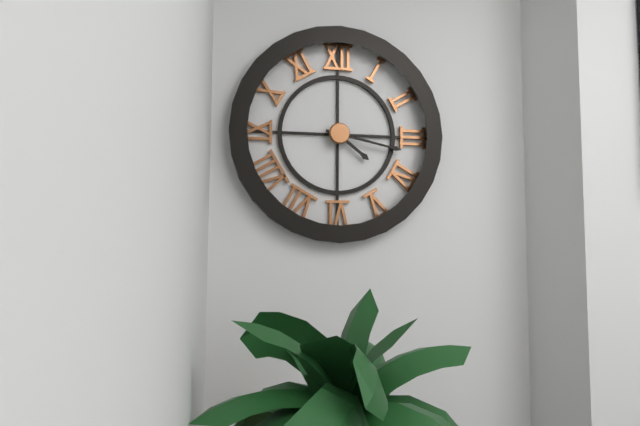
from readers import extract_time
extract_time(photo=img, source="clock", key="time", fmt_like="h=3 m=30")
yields h=4 m=17
